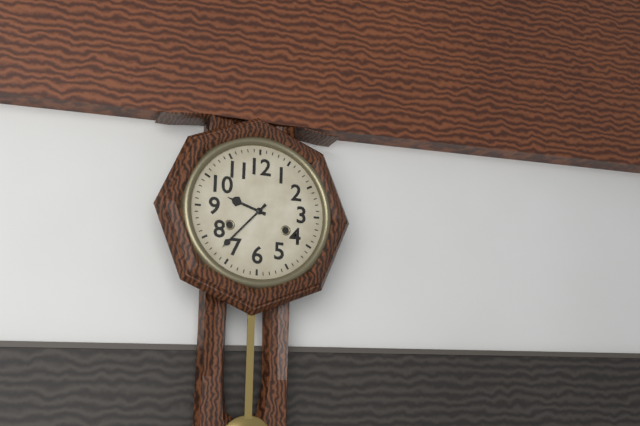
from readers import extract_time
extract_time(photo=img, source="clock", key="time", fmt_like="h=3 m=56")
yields h=9 m=37
